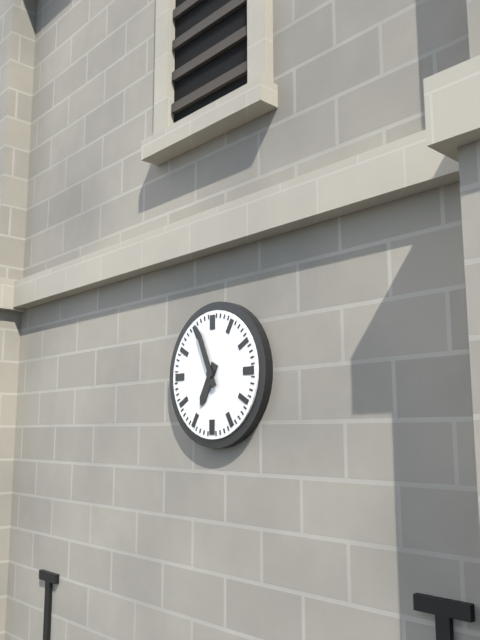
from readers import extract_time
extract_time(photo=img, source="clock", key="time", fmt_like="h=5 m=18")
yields h=6 m=56
